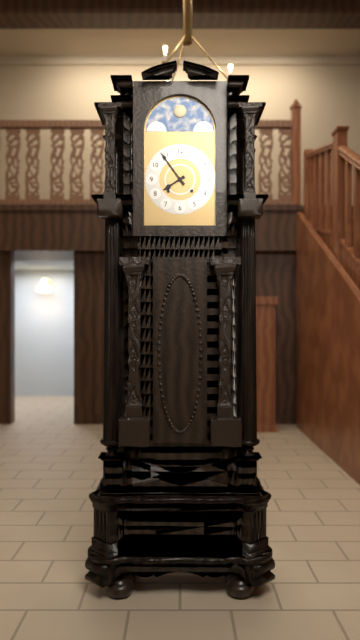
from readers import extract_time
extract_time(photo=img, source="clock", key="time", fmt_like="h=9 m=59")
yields h=7 m=54
